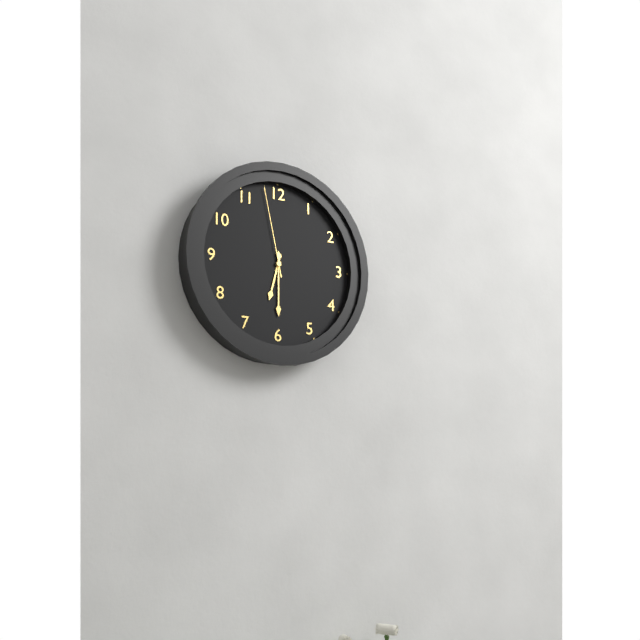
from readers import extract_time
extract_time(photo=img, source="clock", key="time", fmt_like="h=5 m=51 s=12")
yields h=6 m=30 s=58
